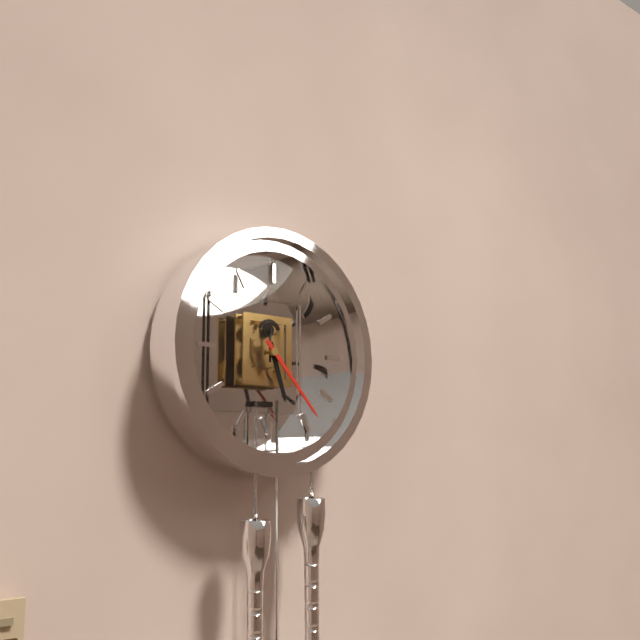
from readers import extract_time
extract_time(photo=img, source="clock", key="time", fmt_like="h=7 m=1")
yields h=5 m=23
